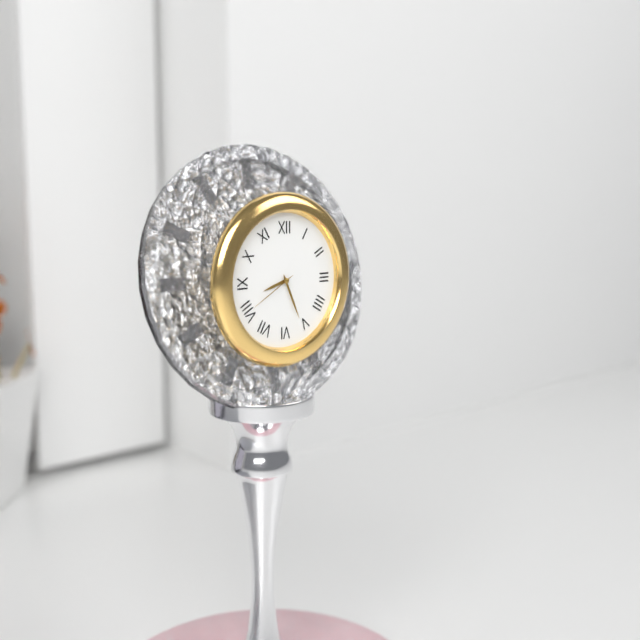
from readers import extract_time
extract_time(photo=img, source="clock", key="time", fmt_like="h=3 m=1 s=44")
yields h=8 m=26 s=40
